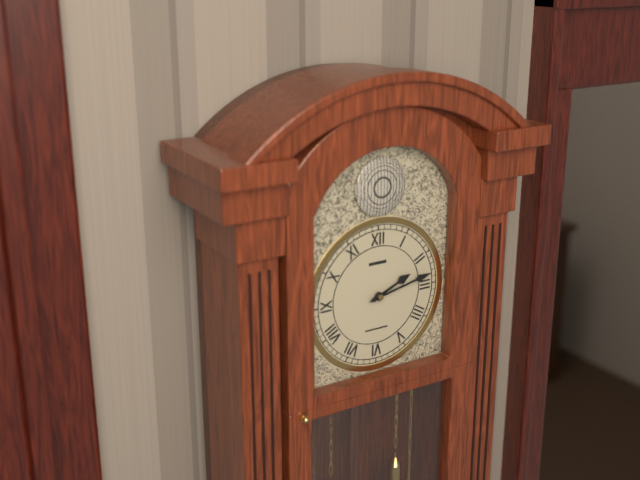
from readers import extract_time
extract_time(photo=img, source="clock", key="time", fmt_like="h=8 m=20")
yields h=2 m=13
